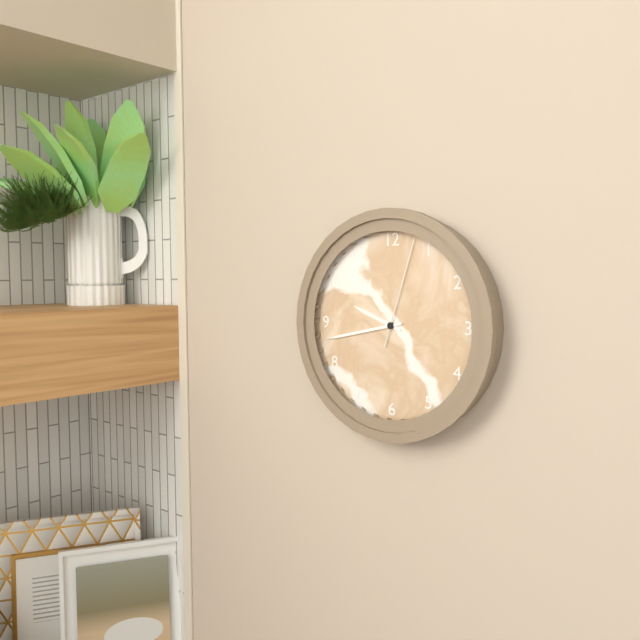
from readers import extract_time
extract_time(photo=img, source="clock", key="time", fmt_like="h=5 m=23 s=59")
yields h=9 m=43 s=3
